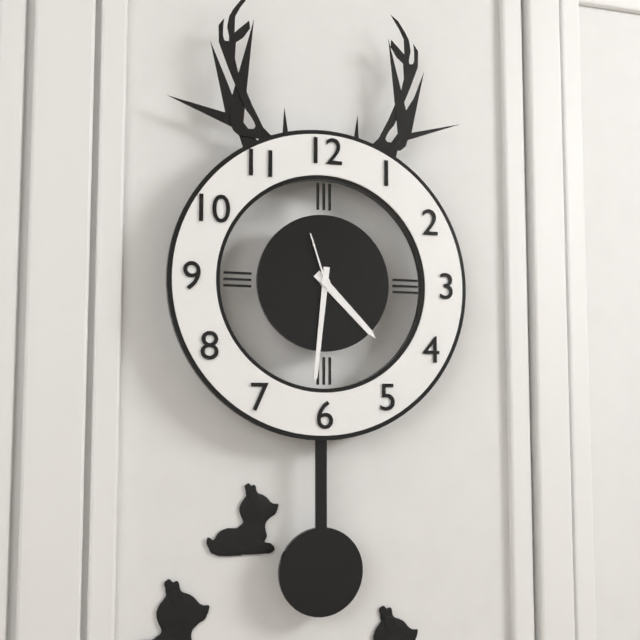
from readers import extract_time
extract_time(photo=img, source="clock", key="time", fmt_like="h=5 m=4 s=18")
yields h=4 m=31 s=57
